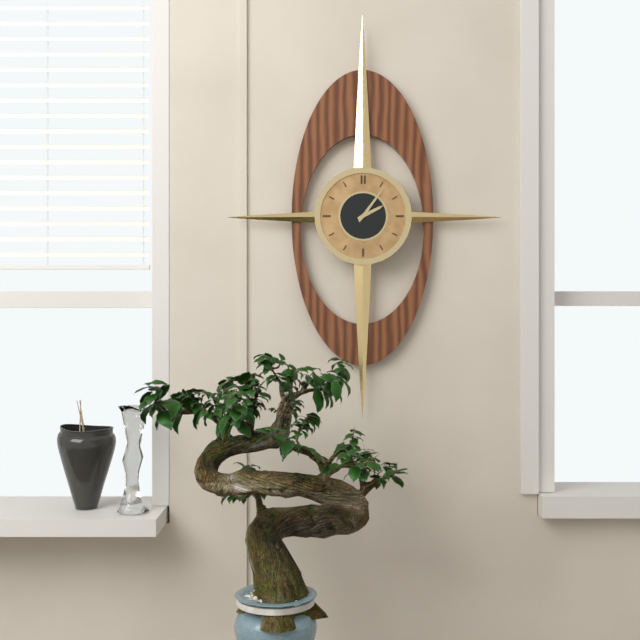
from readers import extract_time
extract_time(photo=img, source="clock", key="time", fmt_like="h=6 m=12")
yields h=2 m=6
